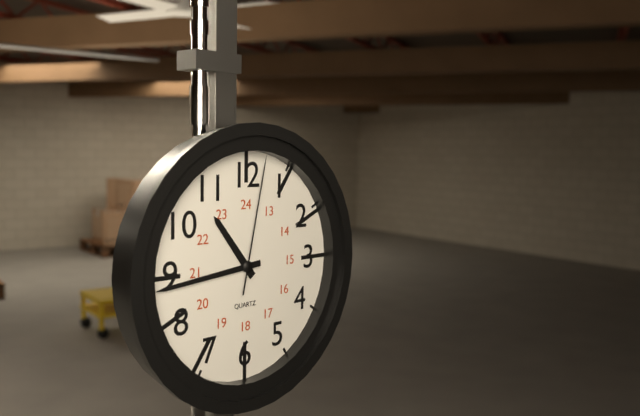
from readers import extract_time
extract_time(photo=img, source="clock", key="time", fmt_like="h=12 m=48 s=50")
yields h=10 m=44 s=2
